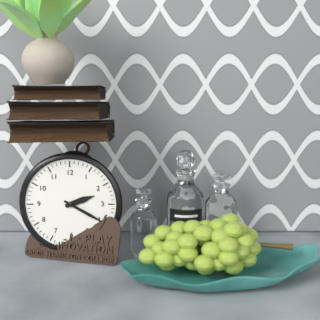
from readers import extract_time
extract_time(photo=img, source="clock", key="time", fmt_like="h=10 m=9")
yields h=2 m=20
